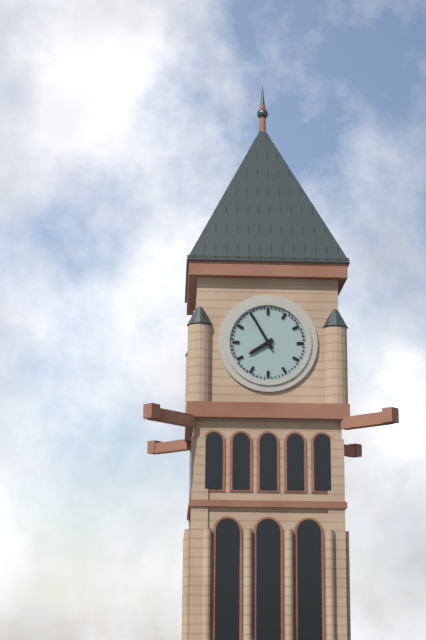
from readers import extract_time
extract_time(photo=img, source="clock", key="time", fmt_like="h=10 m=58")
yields h=7 m=55
